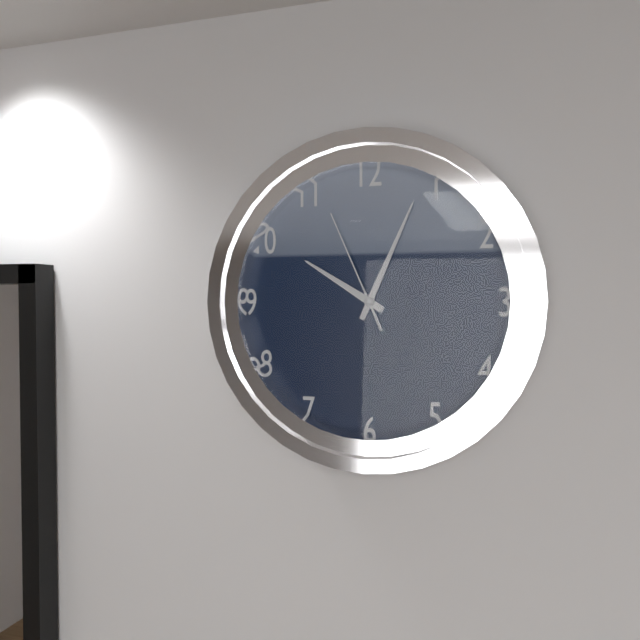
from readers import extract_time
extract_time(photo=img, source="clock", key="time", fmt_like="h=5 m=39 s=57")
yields h=10 m=4 s=56
